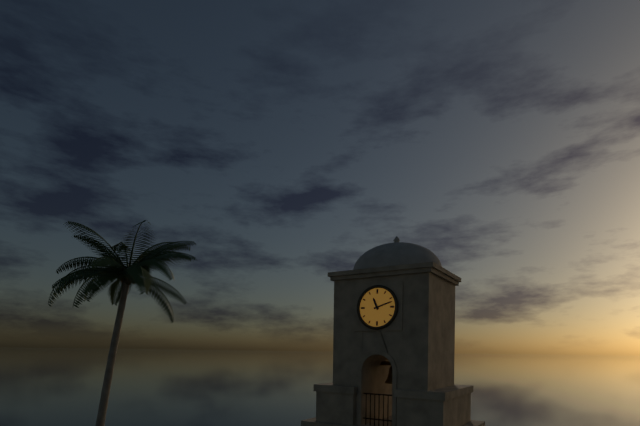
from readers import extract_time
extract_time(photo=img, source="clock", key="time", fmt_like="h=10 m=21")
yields h=11 m=12
